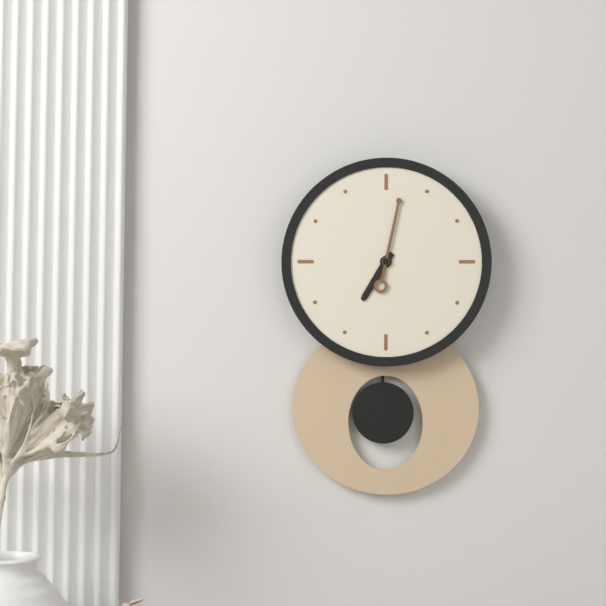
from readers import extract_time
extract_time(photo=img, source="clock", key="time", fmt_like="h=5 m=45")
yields h=7 m=2
